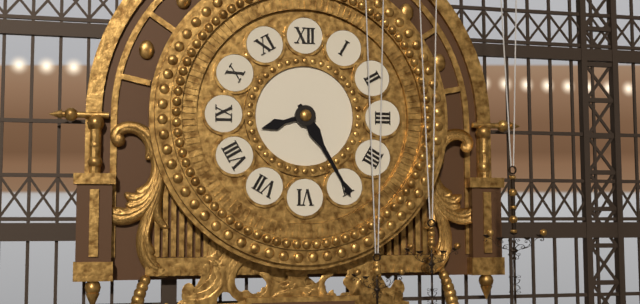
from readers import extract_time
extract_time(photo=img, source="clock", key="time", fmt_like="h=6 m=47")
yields h=8 m=25
